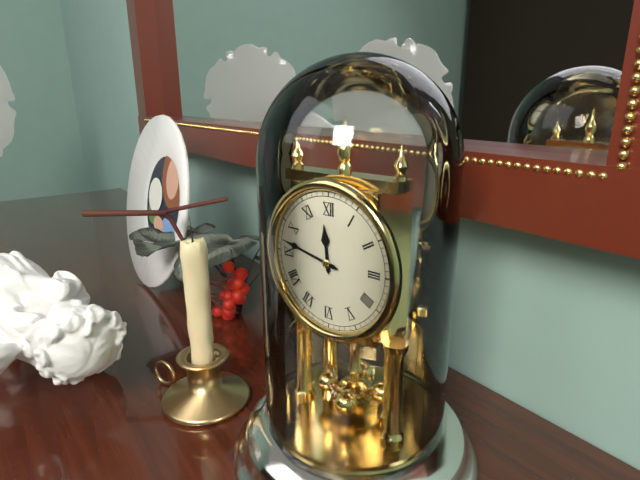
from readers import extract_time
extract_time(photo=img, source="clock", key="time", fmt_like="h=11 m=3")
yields h=11 m=47
